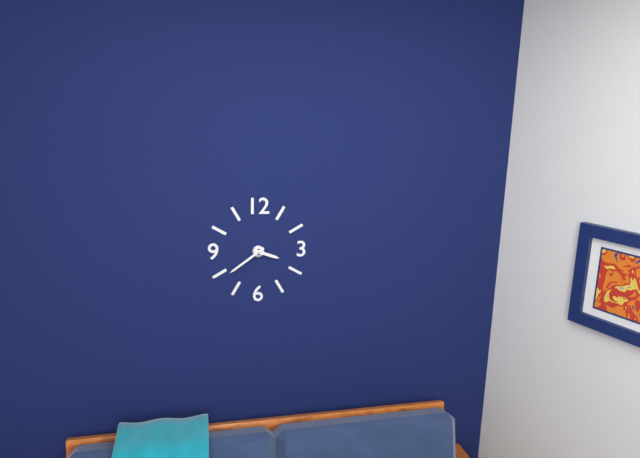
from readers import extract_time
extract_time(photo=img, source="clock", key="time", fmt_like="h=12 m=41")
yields h=3 m=39
